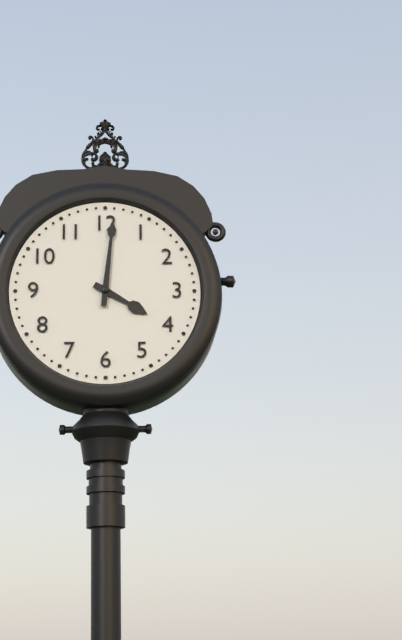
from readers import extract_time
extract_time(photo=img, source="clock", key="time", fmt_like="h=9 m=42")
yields h=4 m=1
